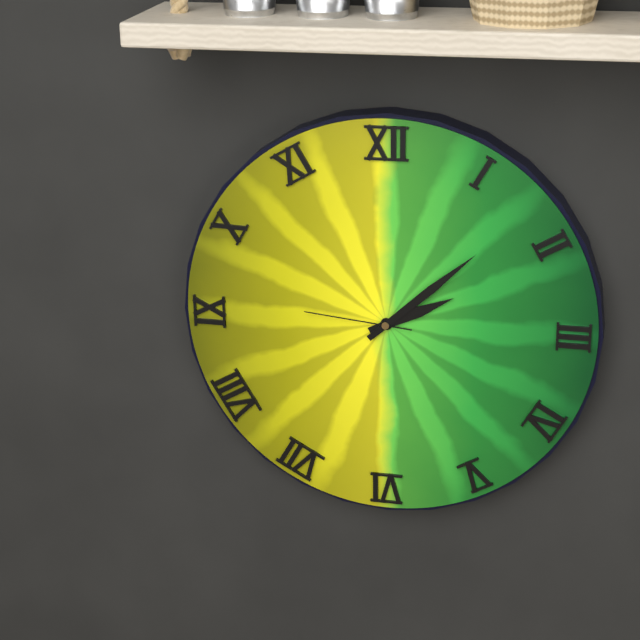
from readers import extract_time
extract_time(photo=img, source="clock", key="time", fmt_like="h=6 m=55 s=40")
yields h=2 m=8 s=46
